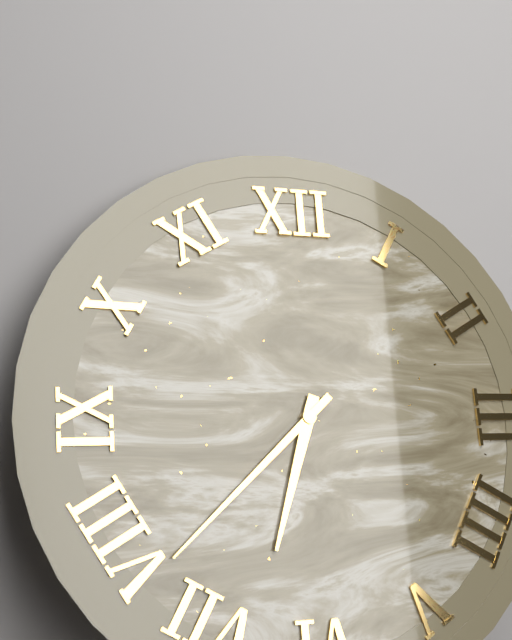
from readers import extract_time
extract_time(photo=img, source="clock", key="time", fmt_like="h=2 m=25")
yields h=6 m=38
